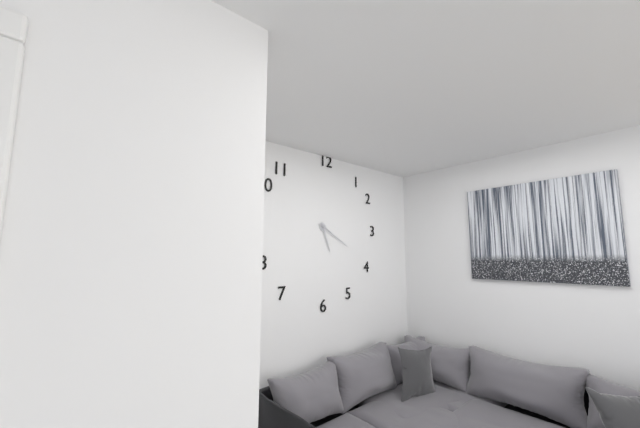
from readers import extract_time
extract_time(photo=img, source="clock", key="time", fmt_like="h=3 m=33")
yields h=5 m=20
